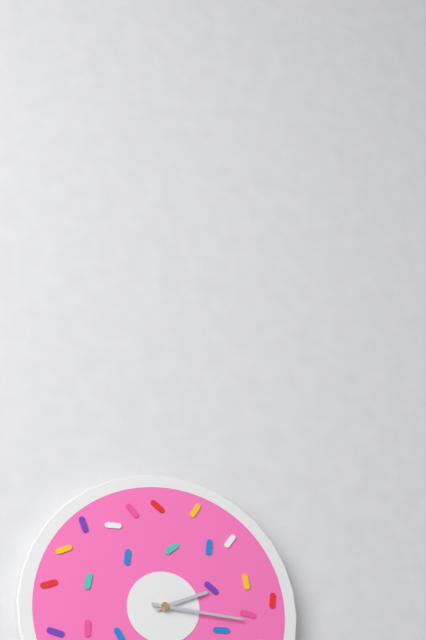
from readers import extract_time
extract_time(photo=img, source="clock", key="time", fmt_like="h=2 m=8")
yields h=2 m=16
